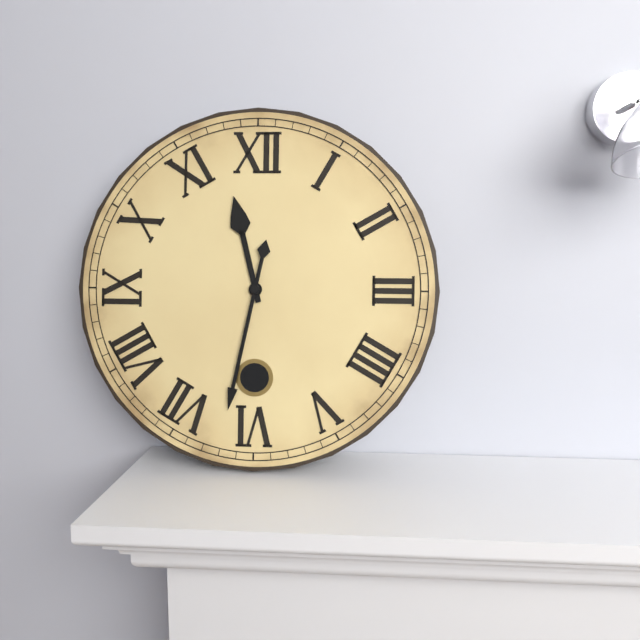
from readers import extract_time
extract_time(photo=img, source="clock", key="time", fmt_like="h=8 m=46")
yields h=11 m=32
